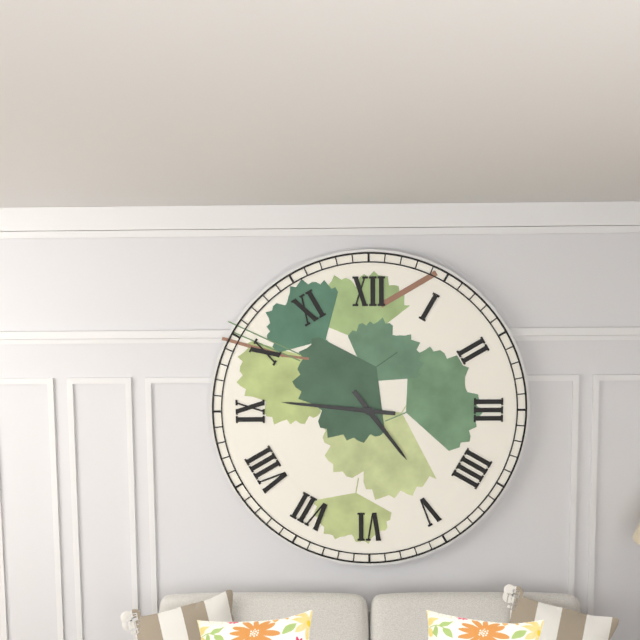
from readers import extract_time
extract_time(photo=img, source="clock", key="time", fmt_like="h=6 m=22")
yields h=4 m=46
